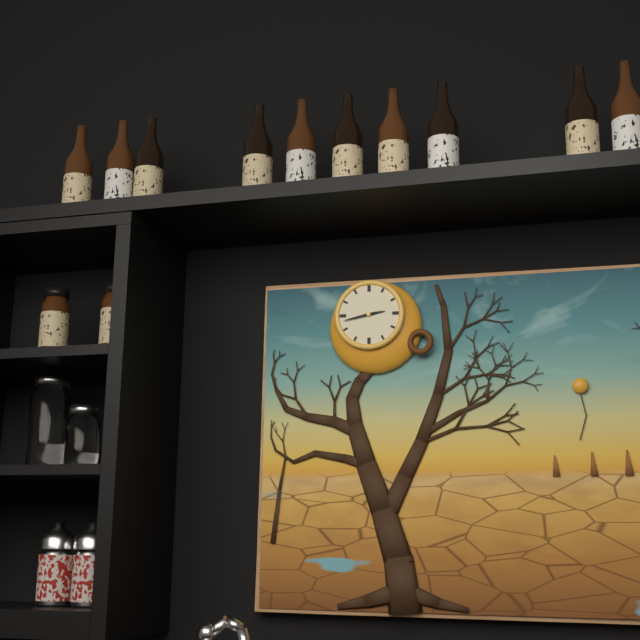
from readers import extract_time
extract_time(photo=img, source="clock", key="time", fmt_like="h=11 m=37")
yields h=2 m=43
